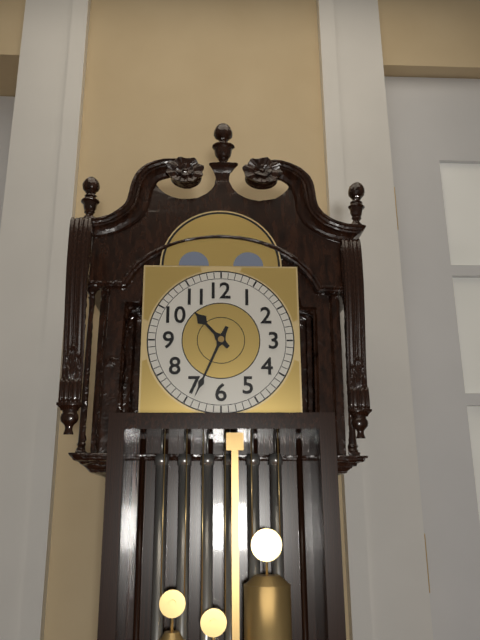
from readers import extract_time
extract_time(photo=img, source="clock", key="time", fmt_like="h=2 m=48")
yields h=10 m=34
